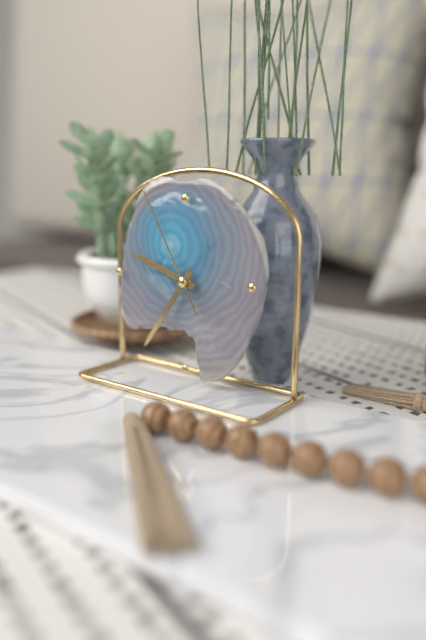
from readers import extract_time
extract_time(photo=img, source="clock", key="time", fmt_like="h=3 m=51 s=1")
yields h=9 m=36 s=55
